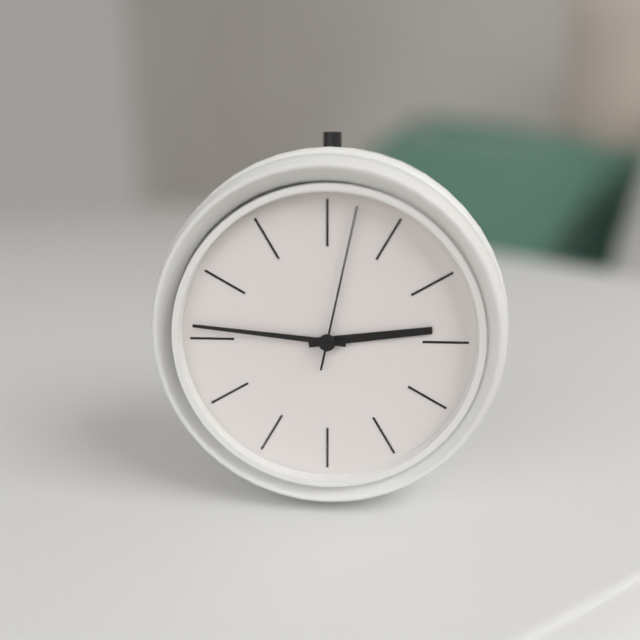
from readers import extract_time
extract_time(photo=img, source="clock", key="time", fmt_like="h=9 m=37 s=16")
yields h=2 m=46 s=2
